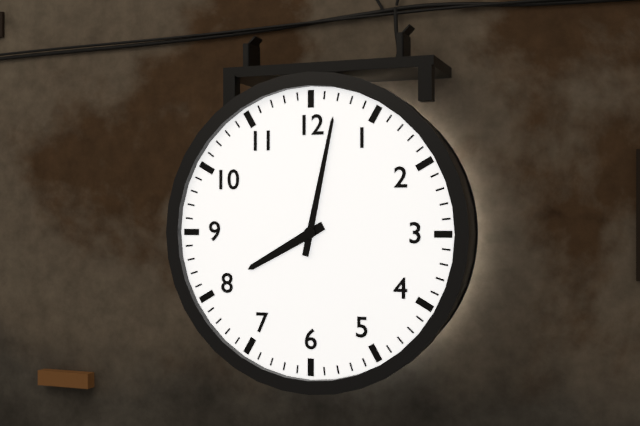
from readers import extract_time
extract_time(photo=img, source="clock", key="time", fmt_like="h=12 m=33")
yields h=8 m=2
